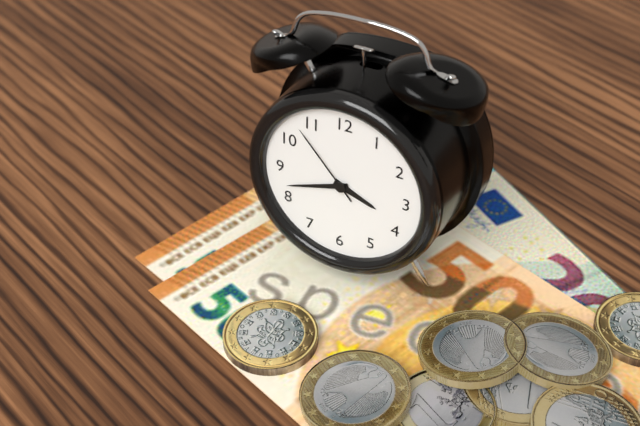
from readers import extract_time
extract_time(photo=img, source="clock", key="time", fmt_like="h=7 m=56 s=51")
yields h=3 m=42 s=53
